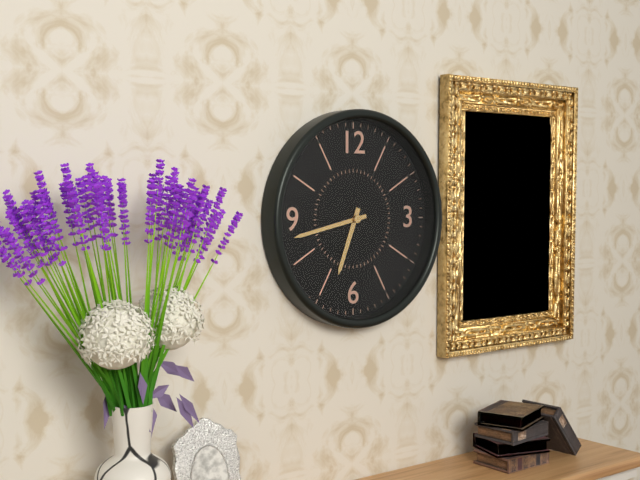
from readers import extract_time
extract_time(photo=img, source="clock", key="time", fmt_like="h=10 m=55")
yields h=6 m=43
